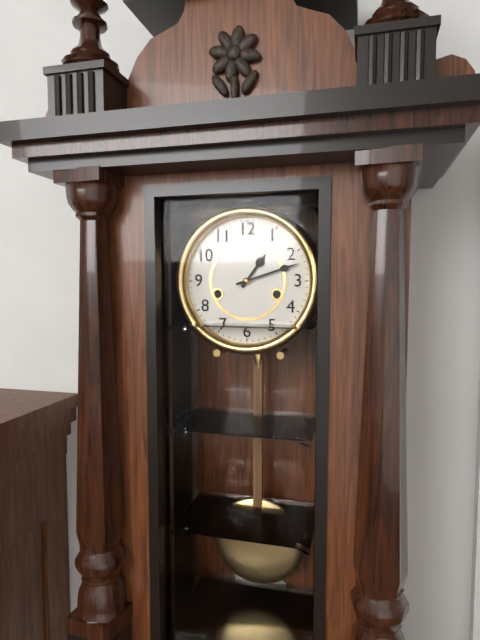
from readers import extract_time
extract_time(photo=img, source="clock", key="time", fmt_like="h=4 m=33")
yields h=1 m=12
